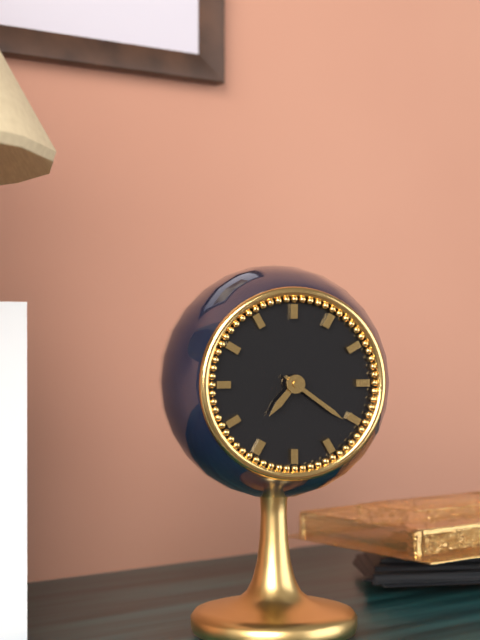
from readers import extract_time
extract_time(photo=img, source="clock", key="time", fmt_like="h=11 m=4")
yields h=7 m=21
